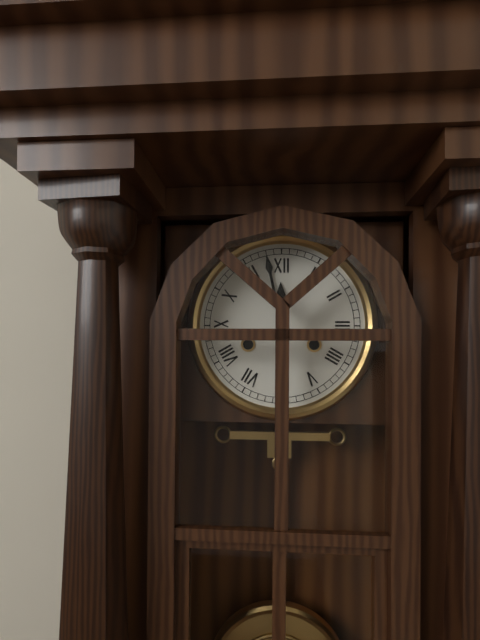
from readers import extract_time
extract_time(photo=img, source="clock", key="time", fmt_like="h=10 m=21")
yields h=11 m=58
